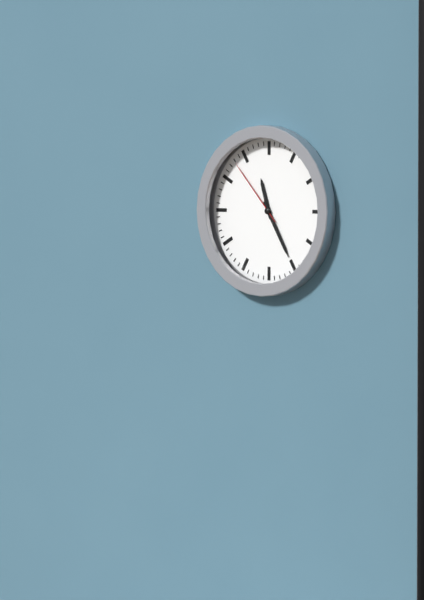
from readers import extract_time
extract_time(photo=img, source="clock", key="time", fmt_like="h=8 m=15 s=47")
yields h=11 m=25 s=53
